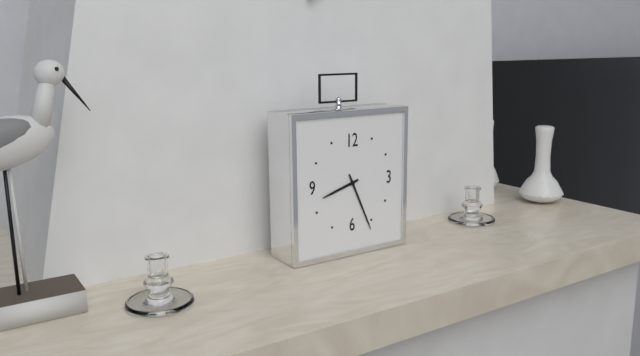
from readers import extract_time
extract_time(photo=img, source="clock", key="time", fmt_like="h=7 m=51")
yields h=8 m=26
